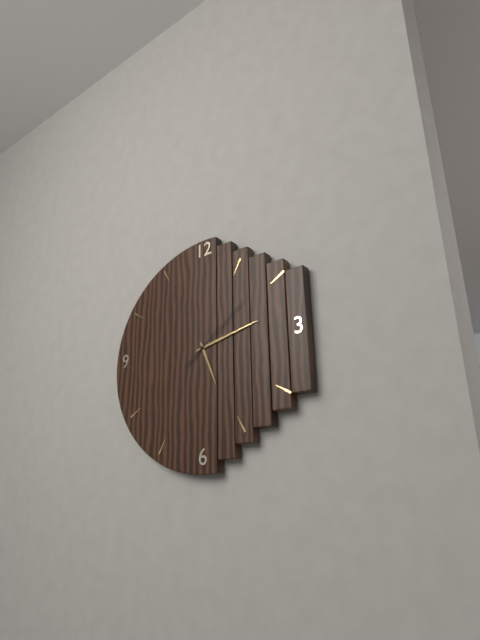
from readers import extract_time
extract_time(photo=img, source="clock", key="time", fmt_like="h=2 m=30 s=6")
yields h=5 m=13 s=9
